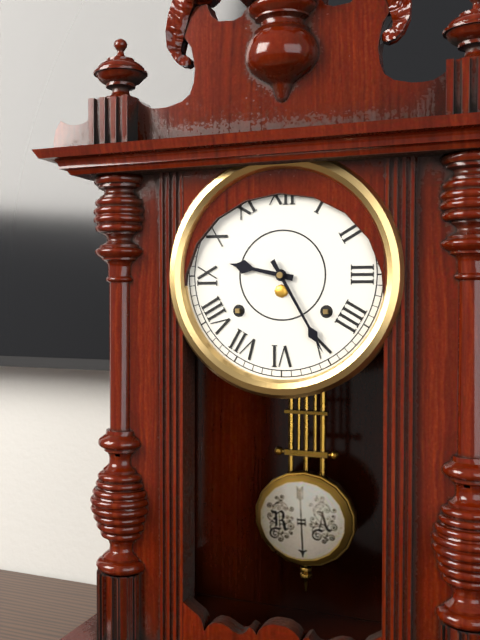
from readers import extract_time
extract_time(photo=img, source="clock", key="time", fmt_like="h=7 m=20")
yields h=9 m=25
